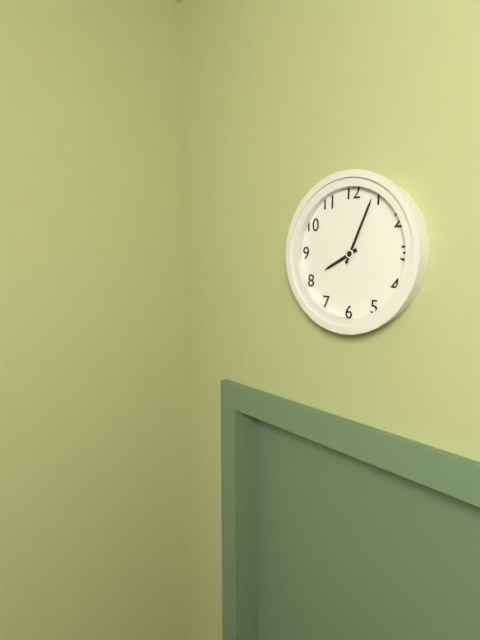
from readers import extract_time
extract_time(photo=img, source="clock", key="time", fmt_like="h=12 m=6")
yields h=8 m=4
